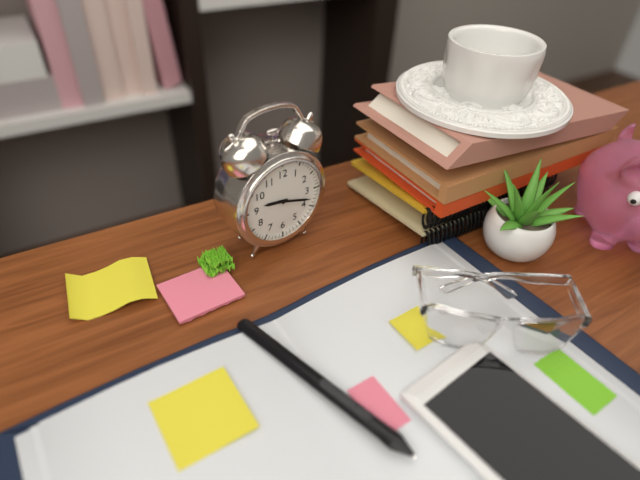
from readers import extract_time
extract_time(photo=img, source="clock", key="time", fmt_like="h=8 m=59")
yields h=9 m=18
